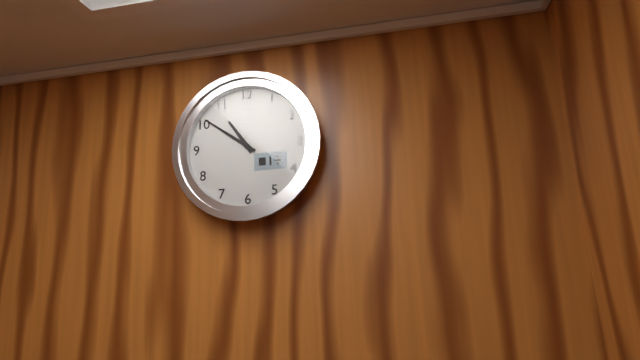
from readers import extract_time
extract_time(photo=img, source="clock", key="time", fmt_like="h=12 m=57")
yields h=10 m=51
